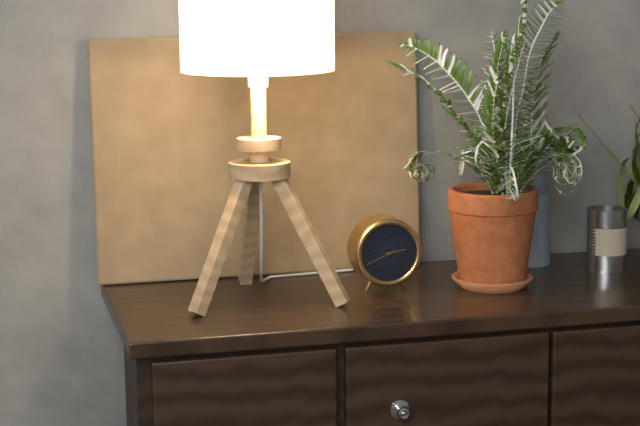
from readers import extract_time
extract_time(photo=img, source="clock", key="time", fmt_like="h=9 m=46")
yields h=2 m=41
